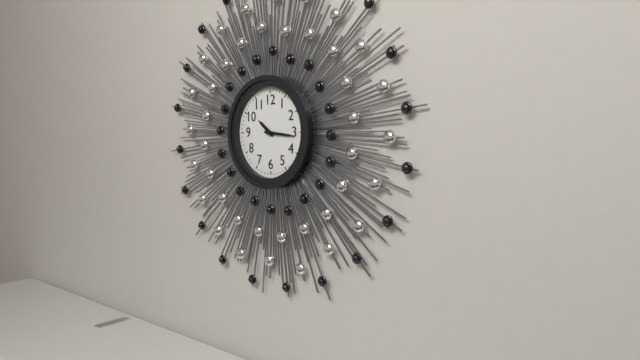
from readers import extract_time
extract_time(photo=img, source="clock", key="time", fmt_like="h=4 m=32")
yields h=10 m=16
